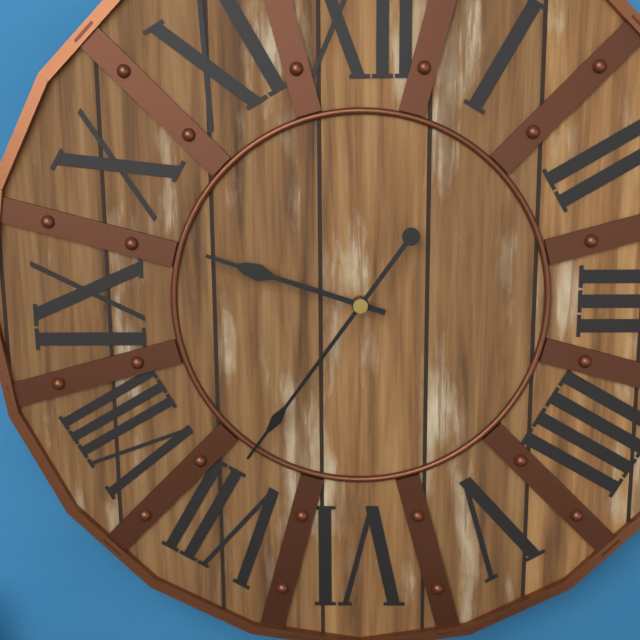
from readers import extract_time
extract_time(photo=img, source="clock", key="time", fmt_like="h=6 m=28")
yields h=9 m=36
